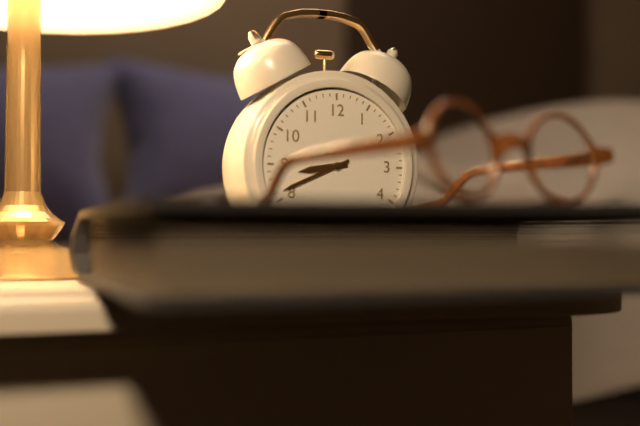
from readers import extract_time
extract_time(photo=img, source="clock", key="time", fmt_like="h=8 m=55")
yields h=8 m=41
